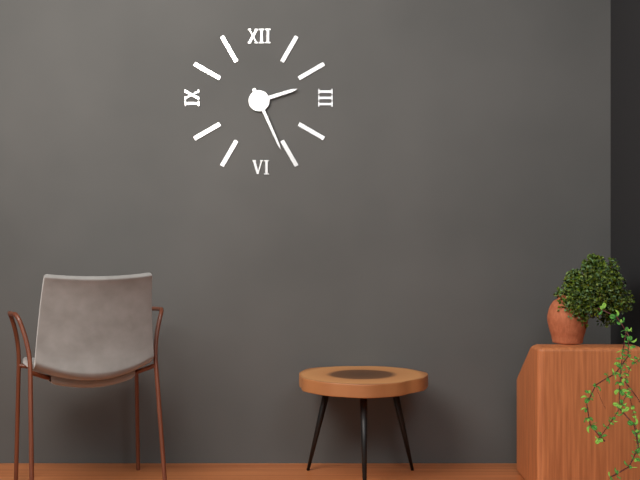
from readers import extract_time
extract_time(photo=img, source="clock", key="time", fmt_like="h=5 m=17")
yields h=2 m=26
